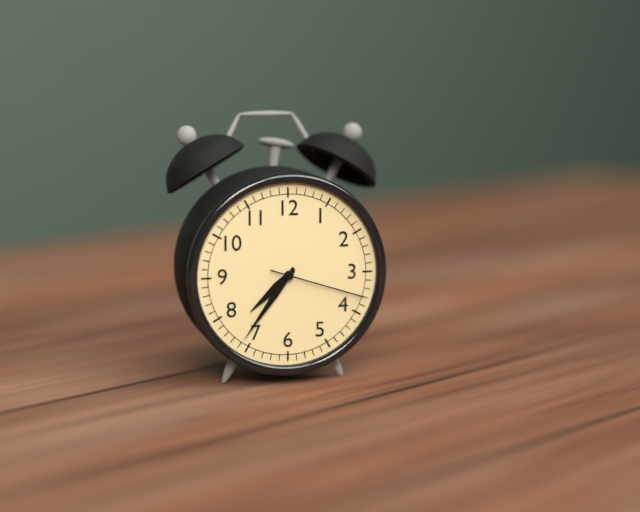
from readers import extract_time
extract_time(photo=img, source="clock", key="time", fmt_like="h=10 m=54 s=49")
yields h=7 m=36 s=18
